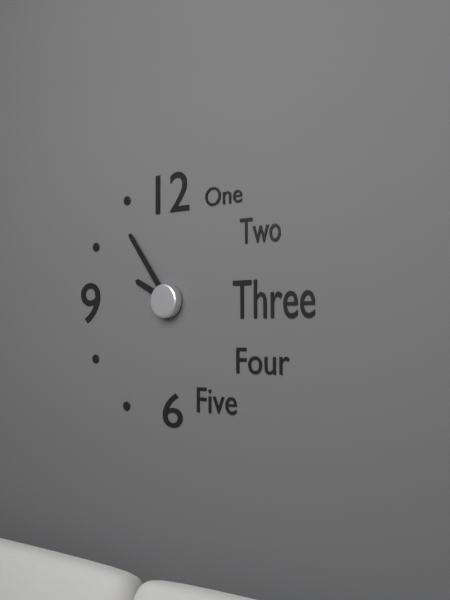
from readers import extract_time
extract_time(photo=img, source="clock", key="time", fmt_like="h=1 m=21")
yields h=9 m=54
